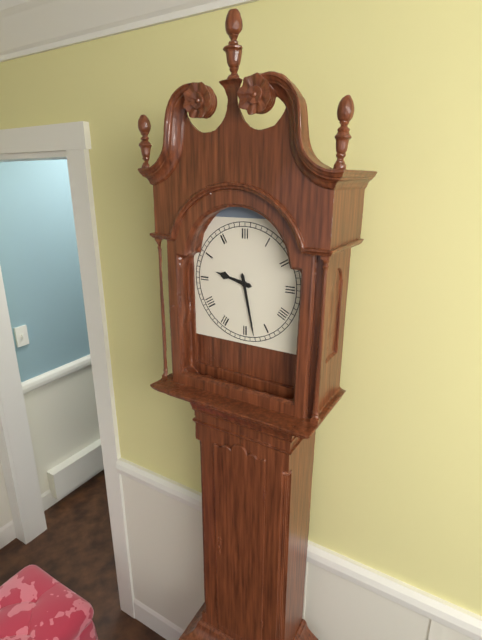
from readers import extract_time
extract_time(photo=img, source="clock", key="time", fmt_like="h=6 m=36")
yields h=9 m=28
